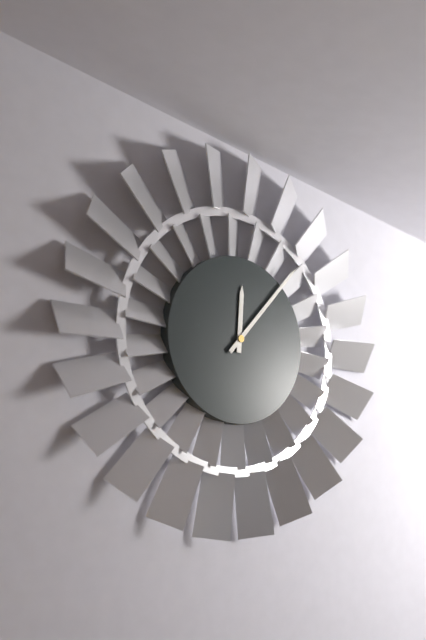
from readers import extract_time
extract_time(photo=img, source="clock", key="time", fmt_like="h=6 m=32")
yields h=12 m=7
